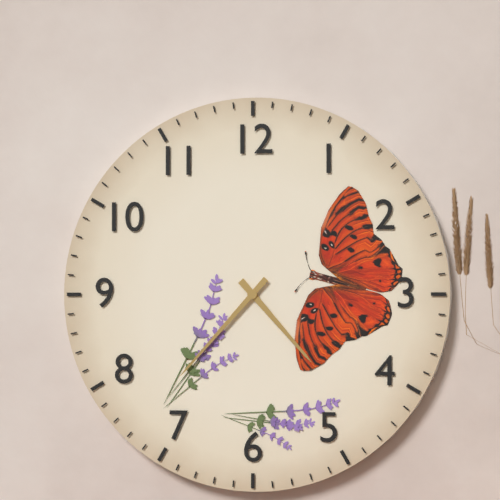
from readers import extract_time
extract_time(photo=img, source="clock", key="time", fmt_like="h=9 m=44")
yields h=4 m=37
